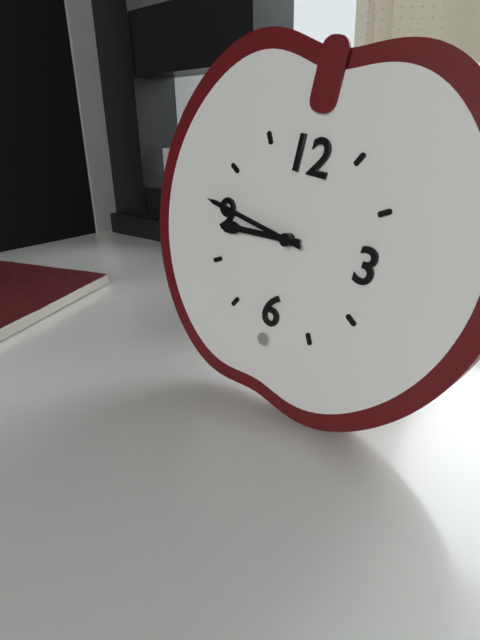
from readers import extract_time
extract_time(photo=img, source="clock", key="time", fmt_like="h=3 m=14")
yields h=8 m=46
